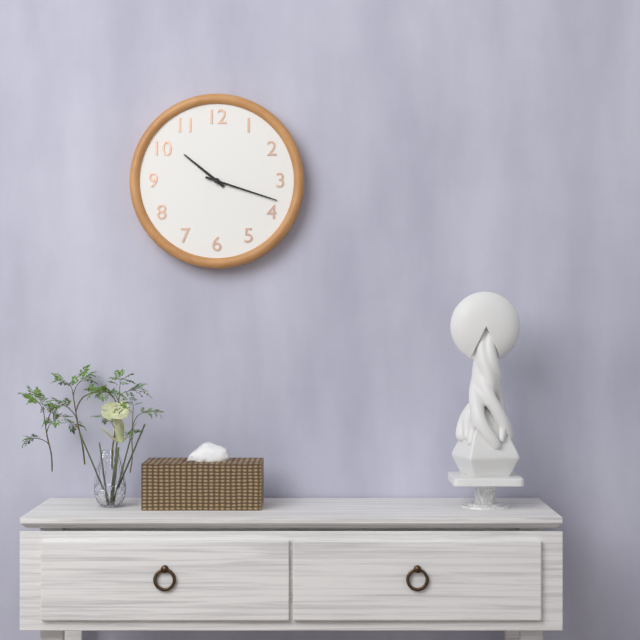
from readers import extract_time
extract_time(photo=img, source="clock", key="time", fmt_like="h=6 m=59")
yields h=10 m=18
